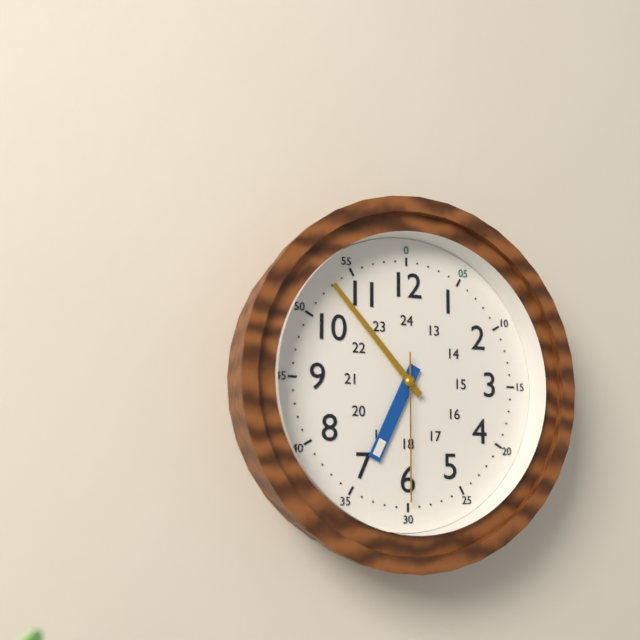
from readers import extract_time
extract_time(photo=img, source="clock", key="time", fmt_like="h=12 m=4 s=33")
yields h=6 m=53 s=30
